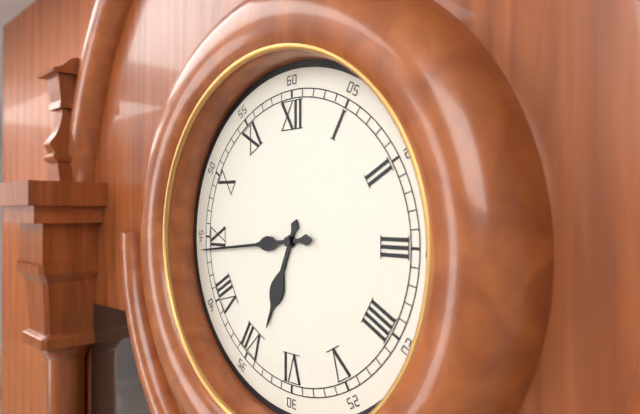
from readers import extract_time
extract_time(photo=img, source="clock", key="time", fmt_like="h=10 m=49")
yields h=6 m=44
